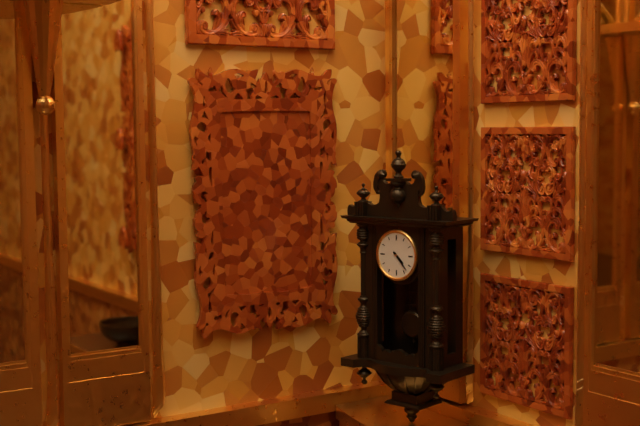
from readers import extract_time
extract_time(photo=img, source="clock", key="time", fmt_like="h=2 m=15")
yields h=4 m=23
